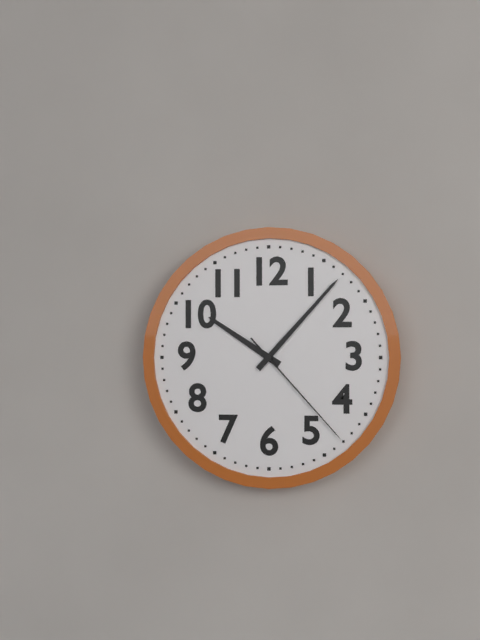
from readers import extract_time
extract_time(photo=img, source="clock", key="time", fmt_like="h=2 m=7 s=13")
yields h=10 m=7 s=23
